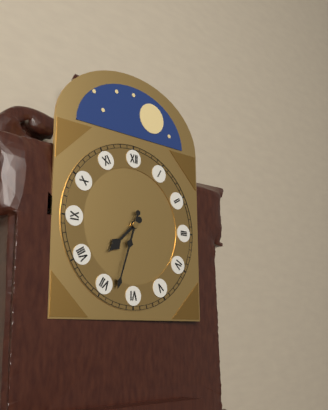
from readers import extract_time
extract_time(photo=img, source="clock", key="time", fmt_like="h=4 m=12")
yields h=7 m=33
